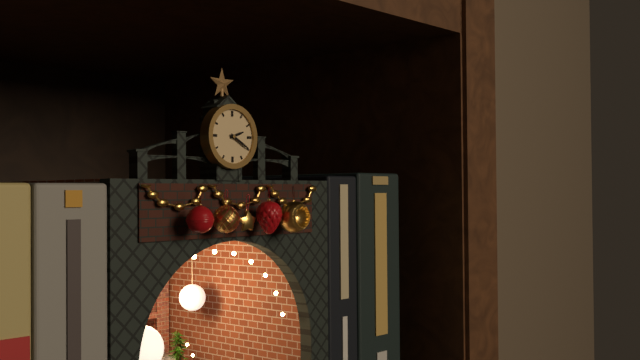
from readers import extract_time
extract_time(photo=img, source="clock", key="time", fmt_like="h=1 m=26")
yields h=2 m=20
